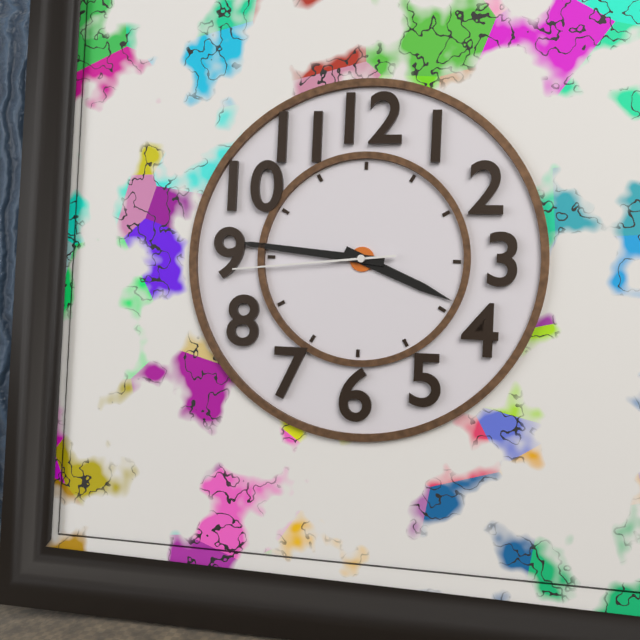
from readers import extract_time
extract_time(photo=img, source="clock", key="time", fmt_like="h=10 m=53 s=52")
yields h=3 m=46 s=44
